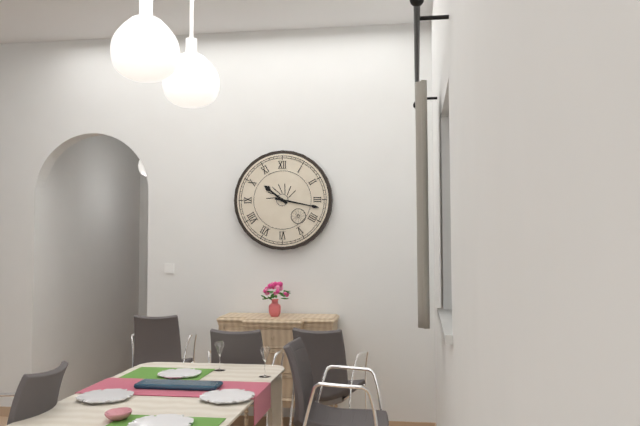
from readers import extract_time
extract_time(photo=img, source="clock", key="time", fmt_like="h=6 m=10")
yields h=10 m=17
